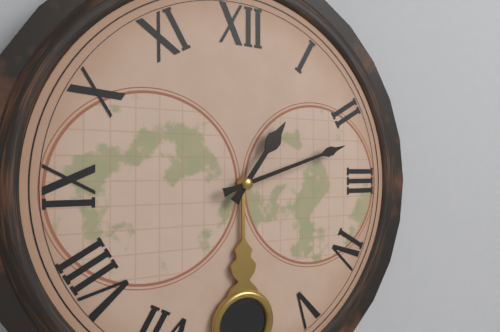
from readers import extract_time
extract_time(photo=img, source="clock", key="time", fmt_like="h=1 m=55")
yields h=1 m=12
